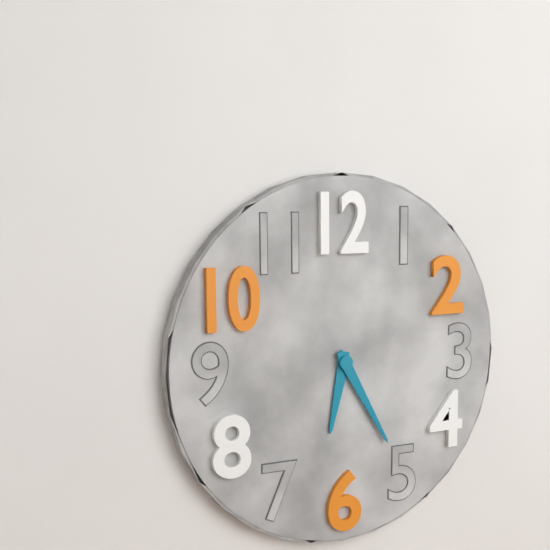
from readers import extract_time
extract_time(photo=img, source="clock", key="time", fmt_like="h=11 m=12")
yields h=6 m=25
